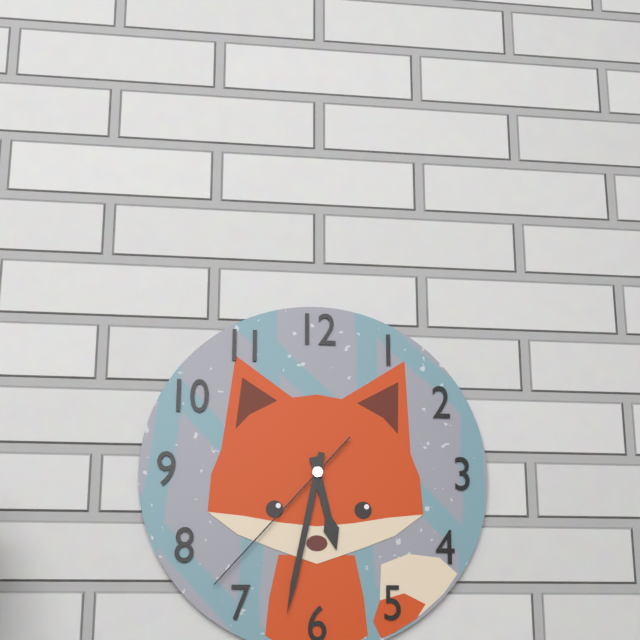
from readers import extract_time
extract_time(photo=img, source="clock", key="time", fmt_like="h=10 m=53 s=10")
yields h=5 m=32 s=37
